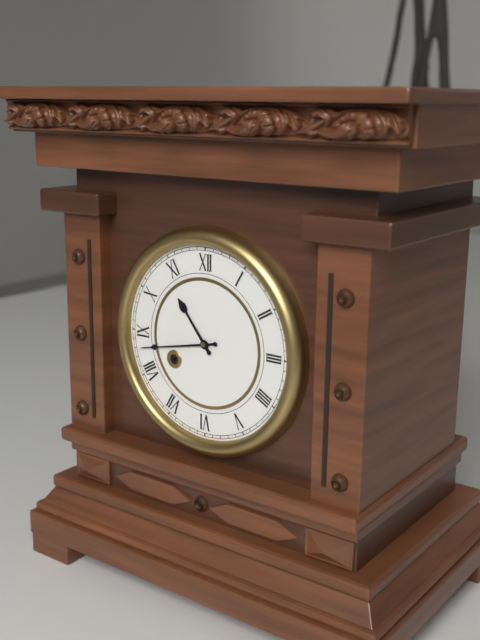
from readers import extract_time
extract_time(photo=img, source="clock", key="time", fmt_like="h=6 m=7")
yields h=10 m=43
